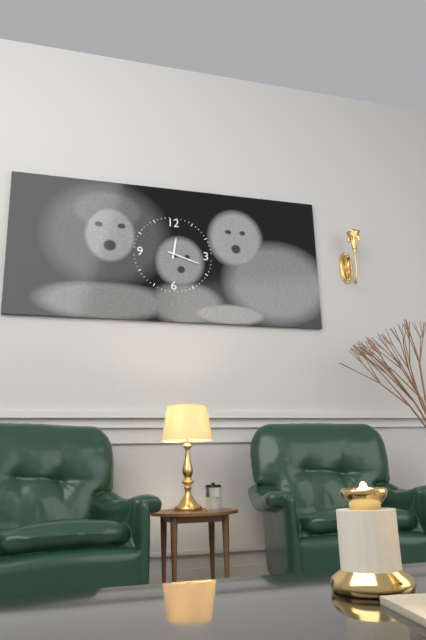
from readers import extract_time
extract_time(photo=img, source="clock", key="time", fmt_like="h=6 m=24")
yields h=12 m=18
